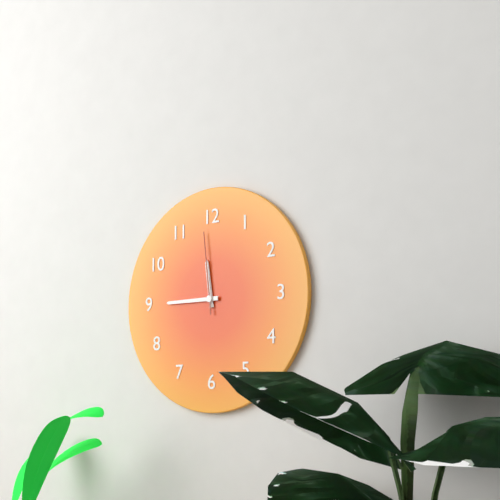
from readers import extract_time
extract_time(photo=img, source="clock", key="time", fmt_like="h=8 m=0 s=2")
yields h=11 m=45 s=59
